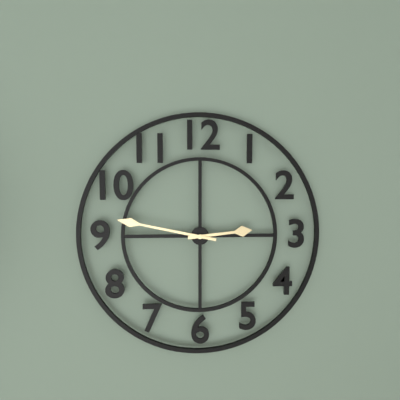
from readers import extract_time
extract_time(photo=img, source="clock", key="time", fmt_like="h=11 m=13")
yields h=2 m=47
